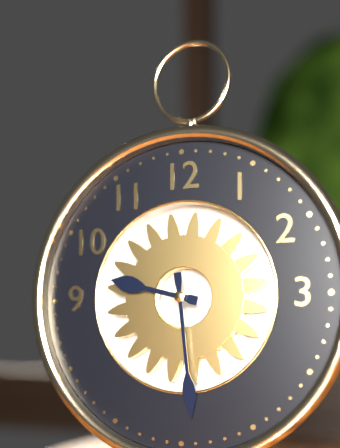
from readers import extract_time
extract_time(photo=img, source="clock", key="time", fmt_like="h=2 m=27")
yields h=9 m=29
